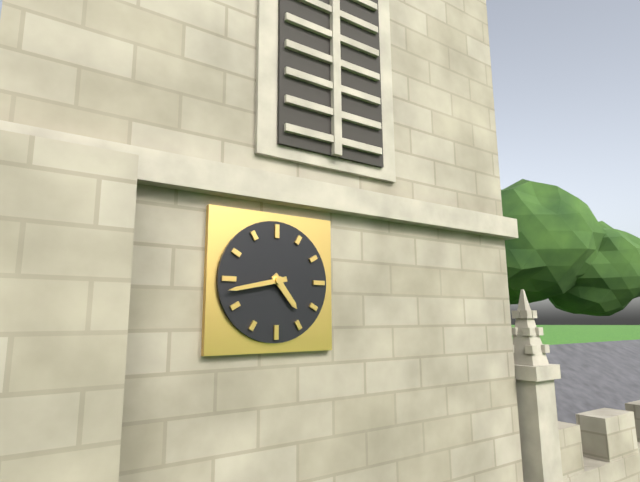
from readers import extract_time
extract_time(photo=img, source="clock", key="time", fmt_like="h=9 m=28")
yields h=4 m=43
